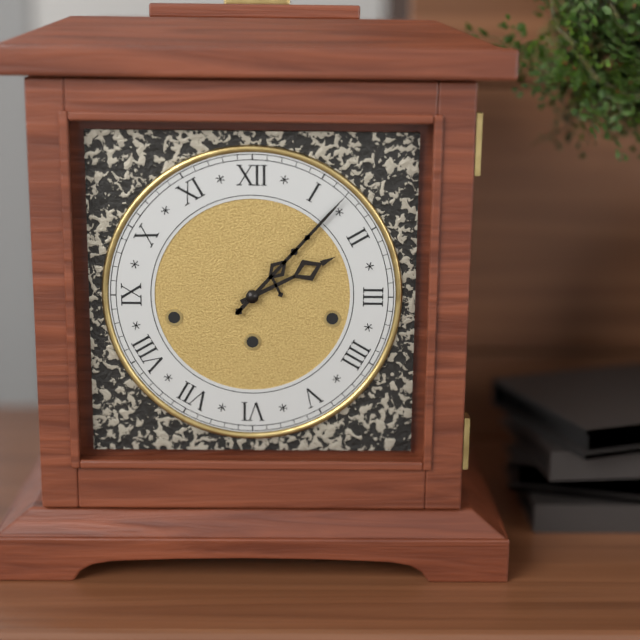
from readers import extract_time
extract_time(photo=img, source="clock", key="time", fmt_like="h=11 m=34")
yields h=2 m=7
